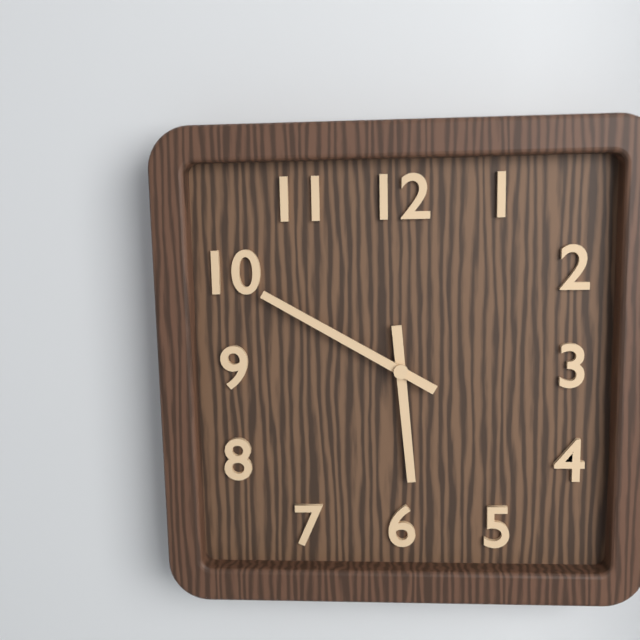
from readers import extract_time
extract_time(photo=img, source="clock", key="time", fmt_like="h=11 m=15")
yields h=5 m=50
